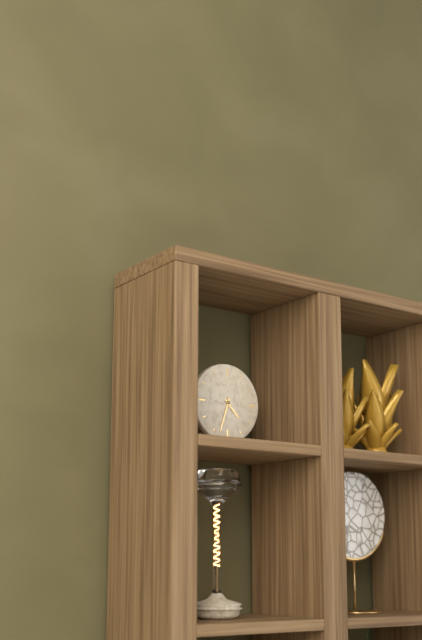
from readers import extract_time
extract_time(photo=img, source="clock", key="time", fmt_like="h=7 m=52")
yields h=4 m=33
